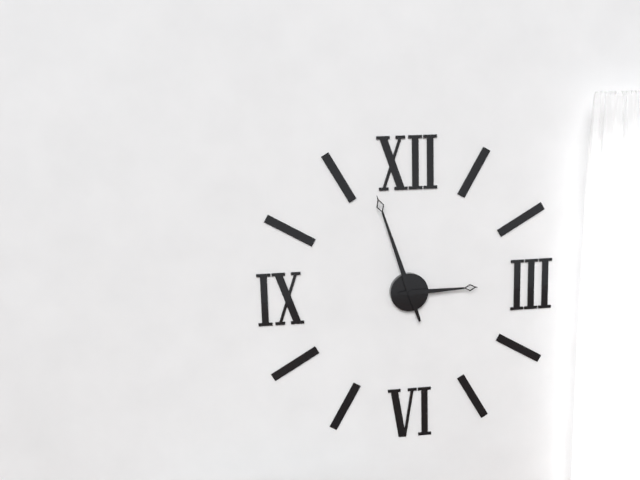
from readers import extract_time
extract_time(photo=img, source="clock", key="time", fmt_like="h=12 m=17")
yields h=2 m=57
